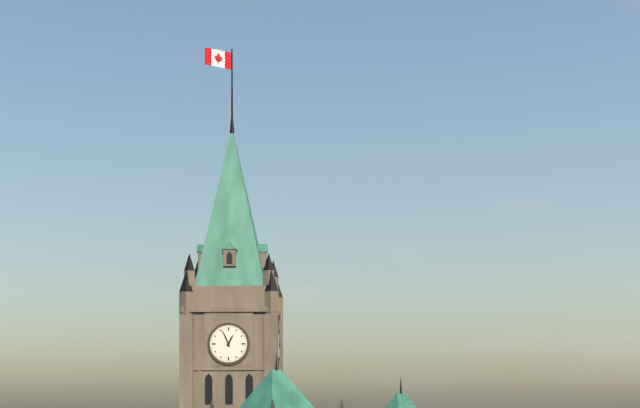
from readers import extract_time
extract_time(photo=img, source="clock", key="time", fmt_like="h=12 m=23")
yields h=12 m=56
